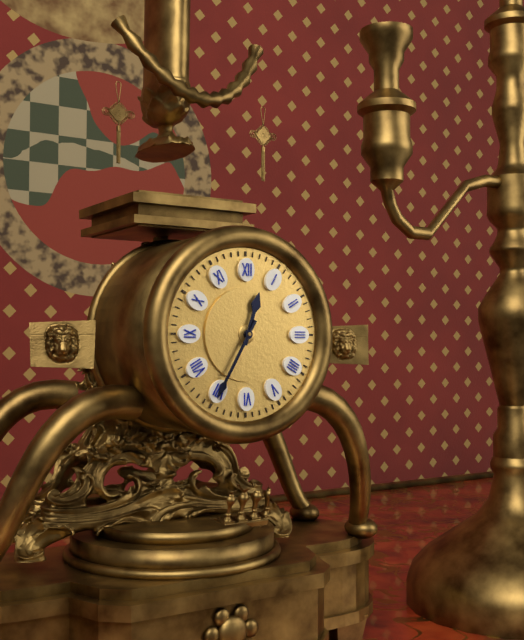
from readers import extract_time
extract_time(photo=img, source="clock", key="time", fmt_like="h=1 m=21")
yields h=12 m=35
